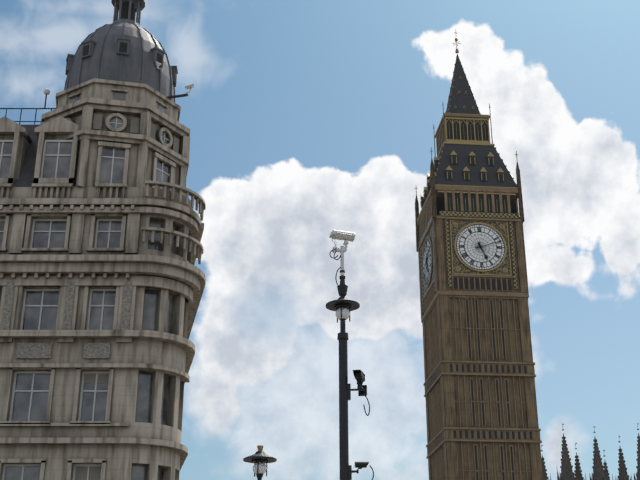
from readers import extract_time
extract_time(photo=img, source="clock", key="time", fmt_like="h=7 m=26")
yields h=5 m=12
